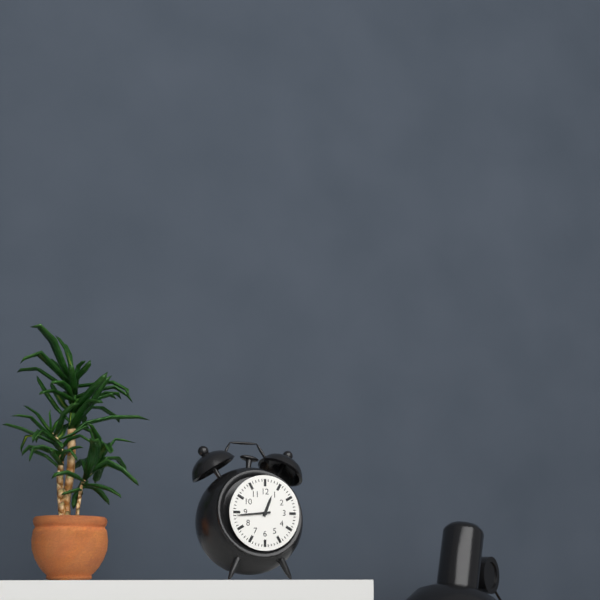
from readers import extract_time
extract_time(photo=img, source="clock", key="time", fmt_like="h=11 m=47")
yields h=12 m=44
